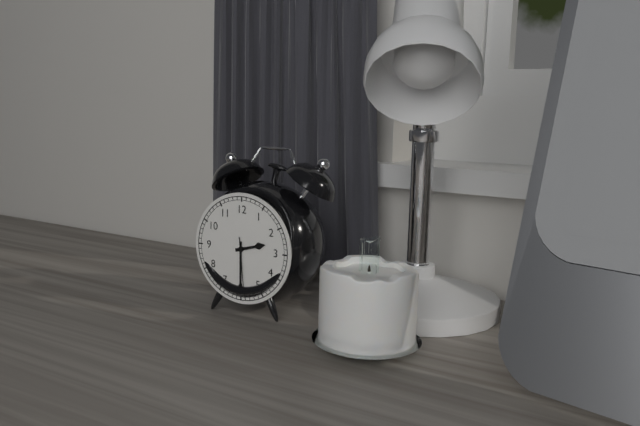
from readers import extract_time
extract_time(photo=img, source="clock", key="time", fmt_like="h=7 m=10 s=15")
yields h=2 m=30 s=29
